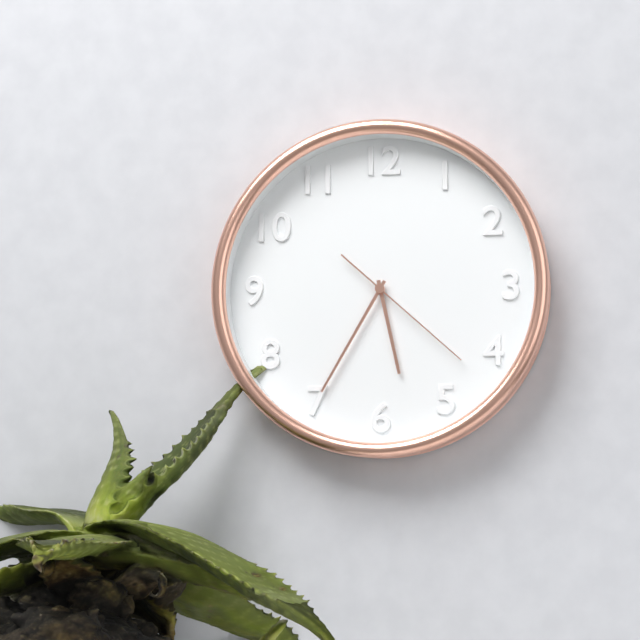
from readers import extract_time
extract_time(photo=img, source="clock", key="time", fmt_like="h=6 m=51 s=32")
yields h=5 m=35 s=22
